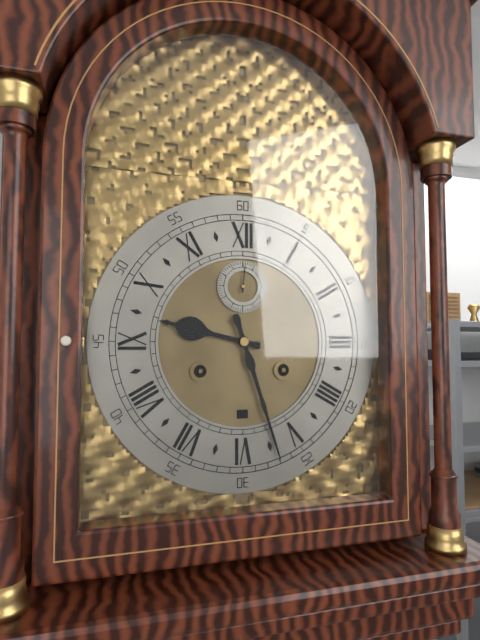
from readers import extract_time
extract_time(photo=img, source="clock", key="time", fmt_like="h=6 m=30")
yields h=9 m=27
